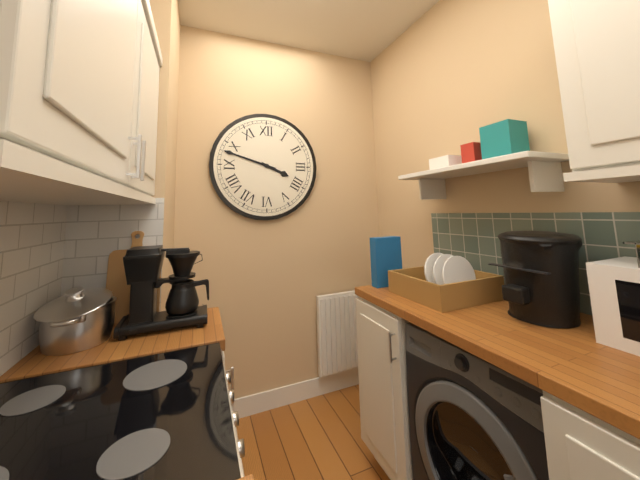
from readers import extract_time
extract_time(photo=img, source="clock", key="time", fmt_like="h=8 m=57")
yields h=3 m=48
